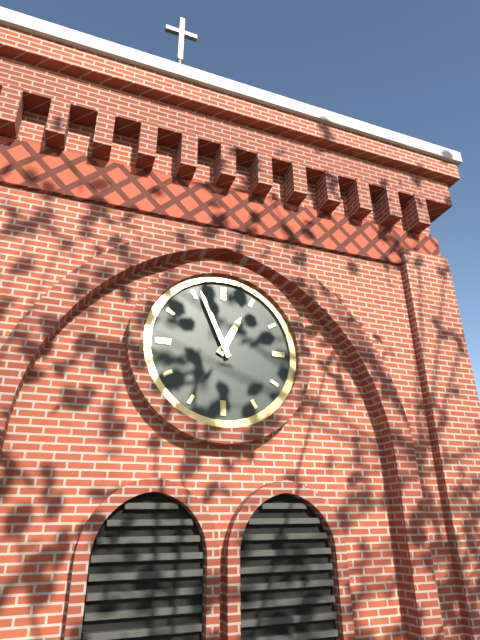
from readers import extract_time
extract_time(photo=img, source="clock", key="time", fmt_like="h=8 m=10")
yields h=12 m=56
